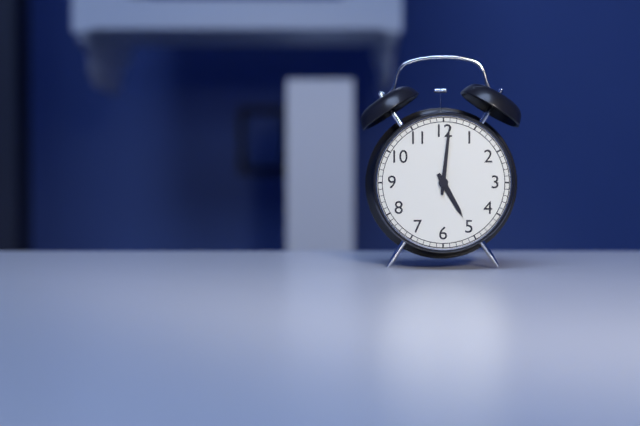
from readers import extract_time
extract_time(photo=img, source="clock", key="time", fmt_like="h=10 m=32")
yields h=5 m=1
